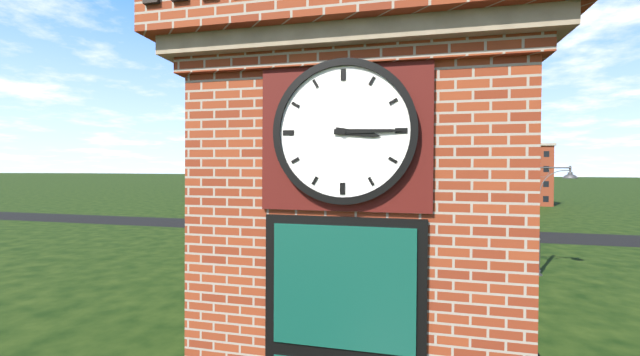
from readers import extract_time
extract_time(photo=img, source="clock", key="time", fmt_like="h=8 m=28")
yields h=3 m=15
